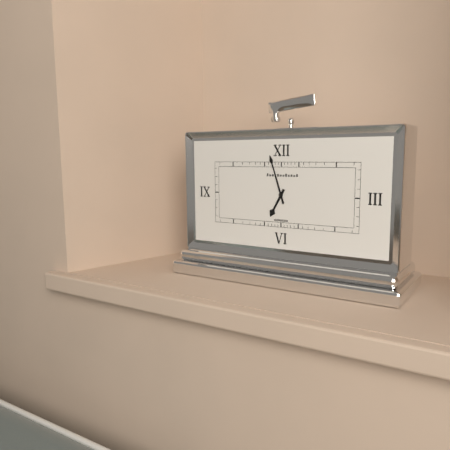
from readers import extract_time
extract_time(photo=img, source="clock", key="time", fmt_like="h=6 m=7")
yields h=6 m=57
